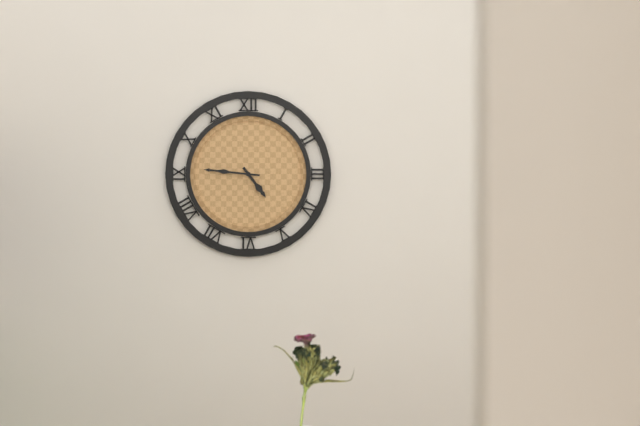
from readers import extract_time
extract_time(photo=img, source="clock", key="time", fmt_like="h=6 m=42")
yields h=4 m=46
